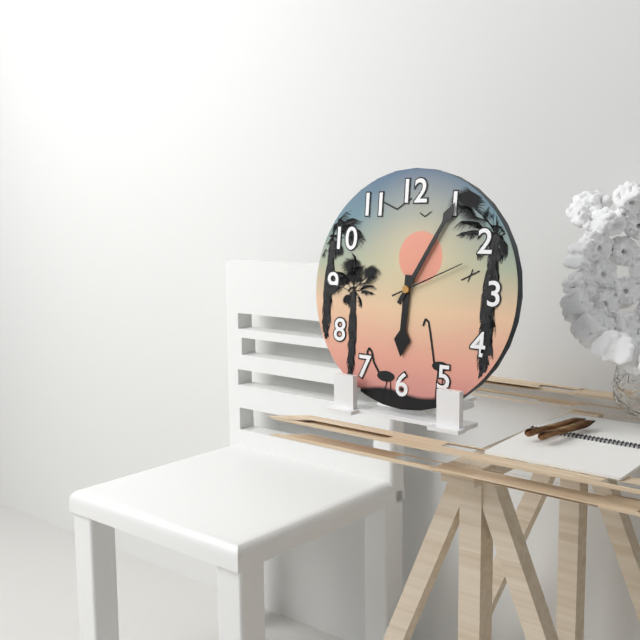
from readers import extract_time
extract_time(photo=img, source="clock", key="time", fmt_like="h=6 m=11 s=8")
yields h=6 m=5 s=11
